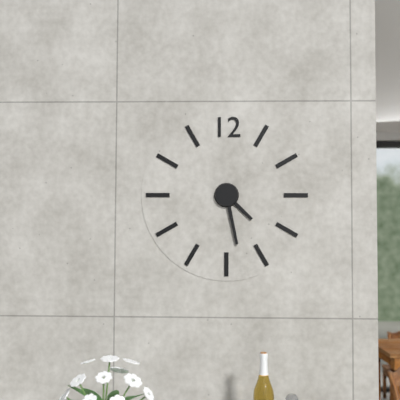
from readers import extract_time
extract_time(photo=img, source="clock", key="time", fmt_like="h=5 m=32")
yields h=4 m=28
